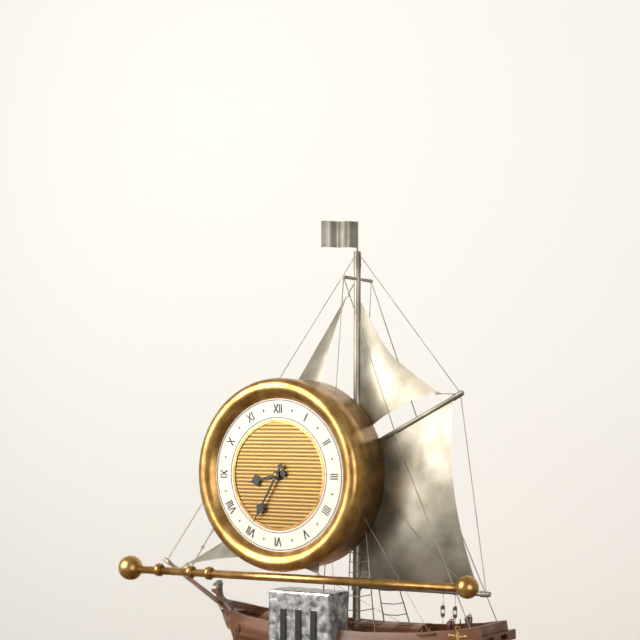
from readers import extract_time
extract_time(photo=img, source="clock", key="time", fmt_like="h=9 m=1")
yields h=8 m=35
